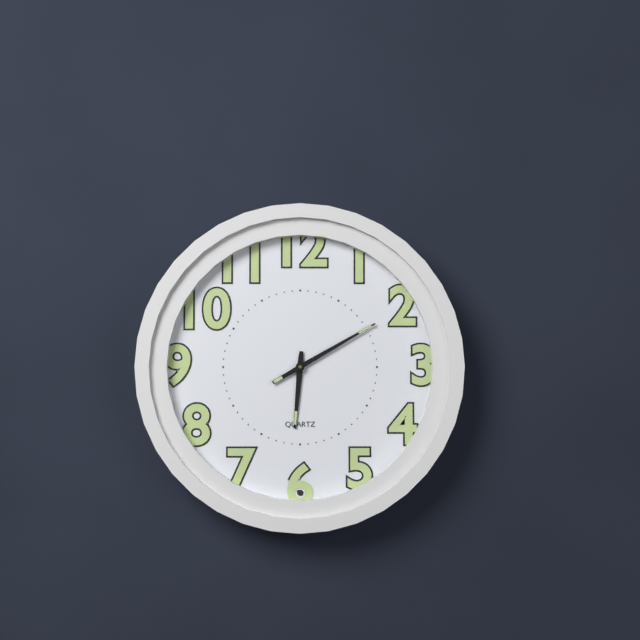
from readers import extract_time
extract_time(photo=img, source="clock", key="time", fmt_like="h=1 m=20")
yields h=6 m=10
